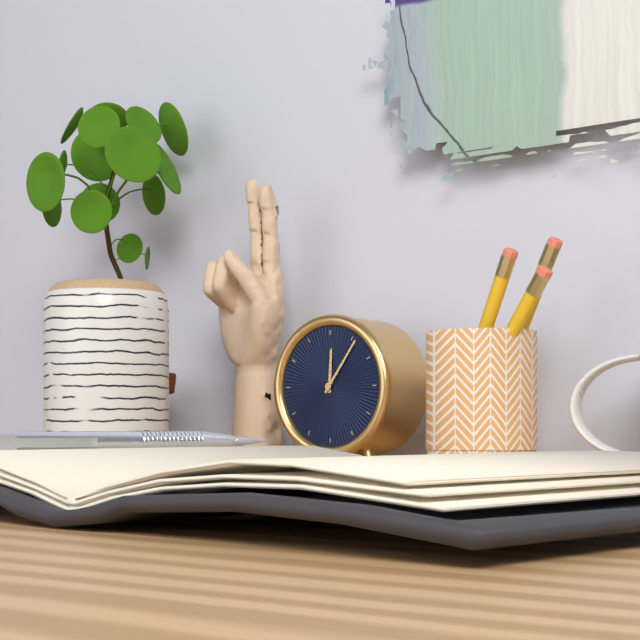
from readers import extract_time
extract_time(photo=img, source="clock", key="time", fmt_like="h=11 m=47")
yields h=12 m=6
